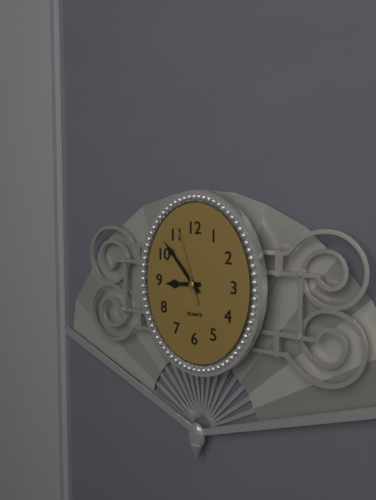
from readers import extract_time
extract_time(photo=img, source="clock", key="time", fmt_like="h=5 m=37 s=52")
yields h=8 m=53 s=57
